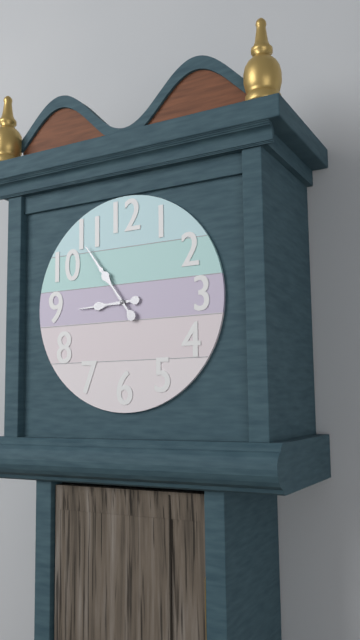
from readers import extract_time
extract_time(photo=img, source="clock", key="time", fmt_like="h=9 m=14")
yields h=8 m=54
